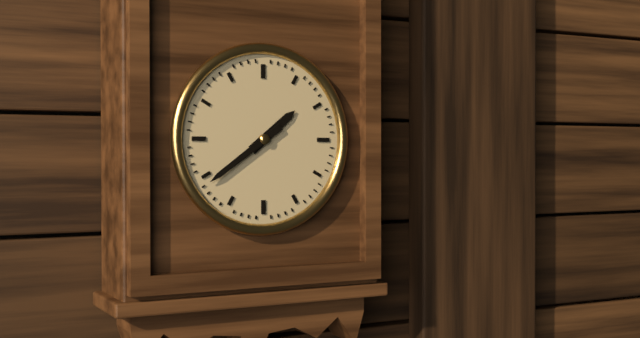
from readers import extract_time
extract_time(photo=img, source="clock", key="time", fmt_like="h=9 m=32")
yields h=1 m=39
